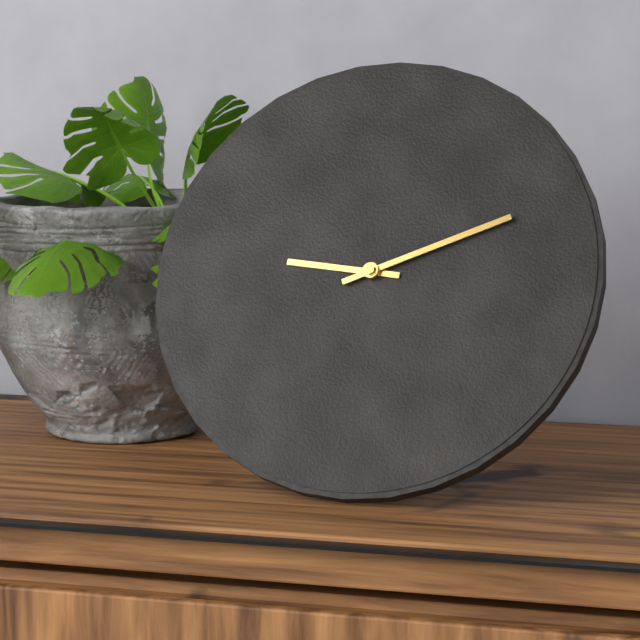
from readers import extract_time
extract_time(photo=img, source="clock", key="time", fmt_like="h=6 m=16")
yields h=9 m=11
